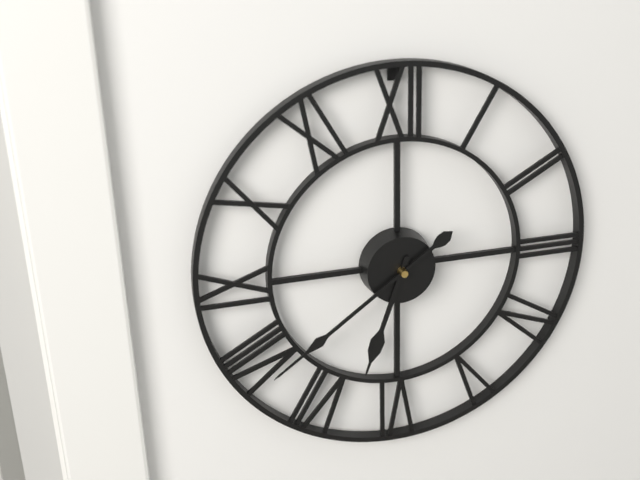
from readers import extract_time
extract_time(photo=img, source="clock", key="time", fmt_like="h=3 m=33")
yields h=6 m=39
